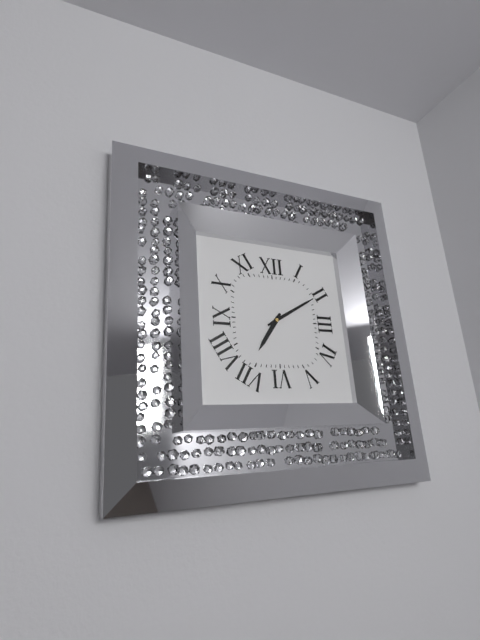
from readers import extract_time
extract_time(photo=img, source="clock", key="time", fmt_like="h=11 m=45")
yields h=7 m=10
